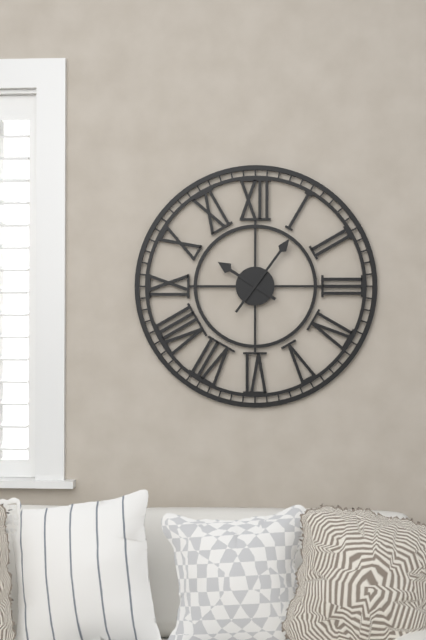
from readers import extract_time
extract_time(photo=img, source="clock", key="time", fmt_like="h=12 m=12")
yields h=10 m=6
